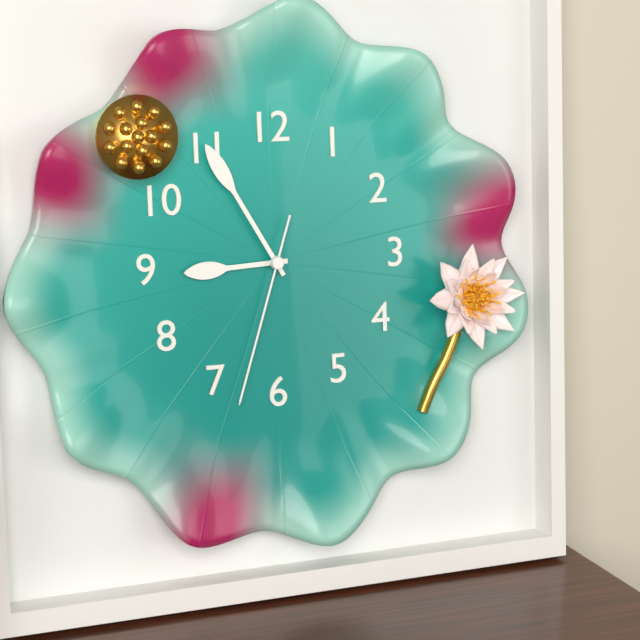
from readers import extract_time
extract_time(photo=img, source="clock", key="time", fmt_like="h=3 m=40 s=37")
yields h=8 m=55 s=33
